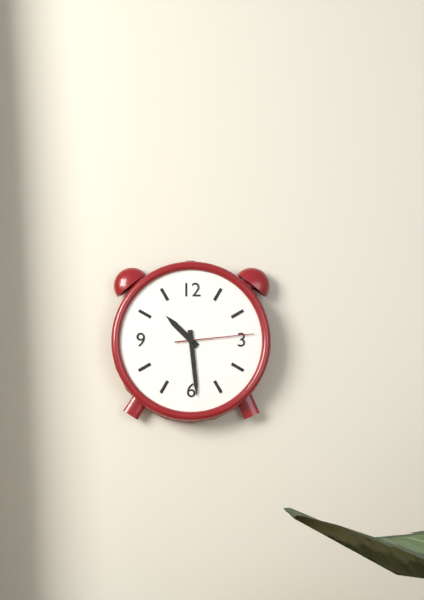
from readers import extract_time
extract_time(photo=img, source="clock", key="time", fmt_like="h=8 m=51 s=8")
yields h=10 m=29 s=14
